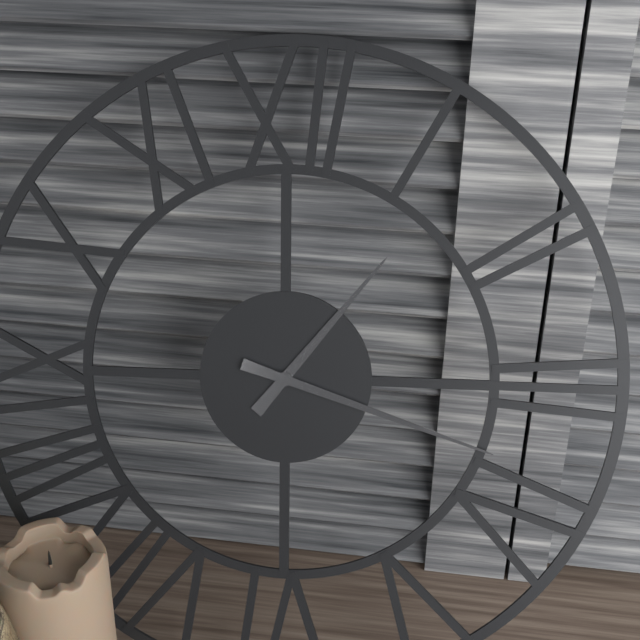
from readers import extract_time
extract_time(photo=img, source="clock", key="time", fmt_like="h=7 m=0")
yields h=1 m=18
